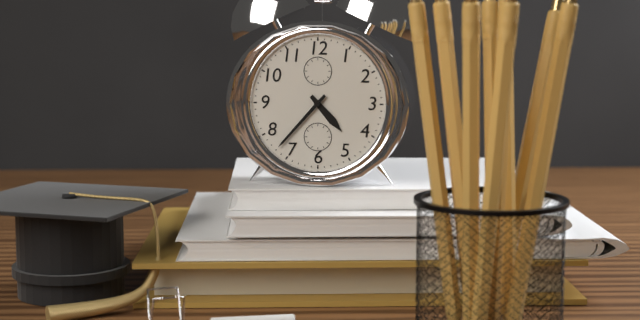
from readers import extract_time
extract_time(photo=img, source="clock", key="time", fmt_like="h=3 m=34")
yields h=4 m=37
